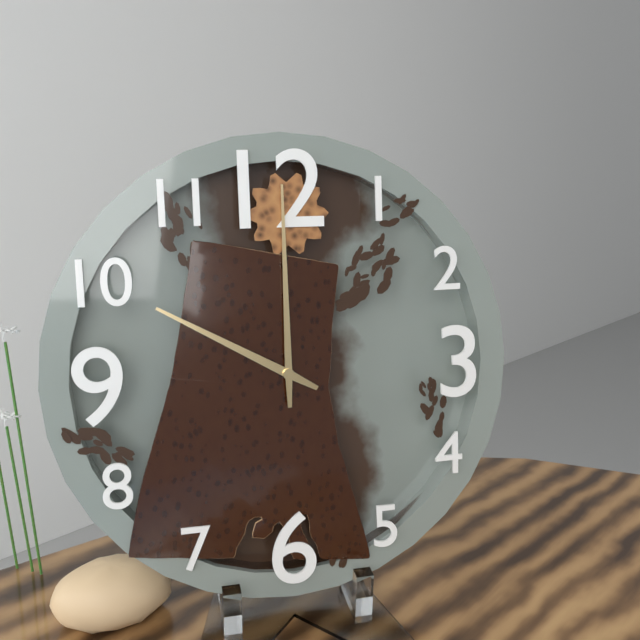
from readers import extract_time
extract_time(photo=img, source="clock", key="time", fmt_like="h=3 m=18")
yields h=10 m=0
